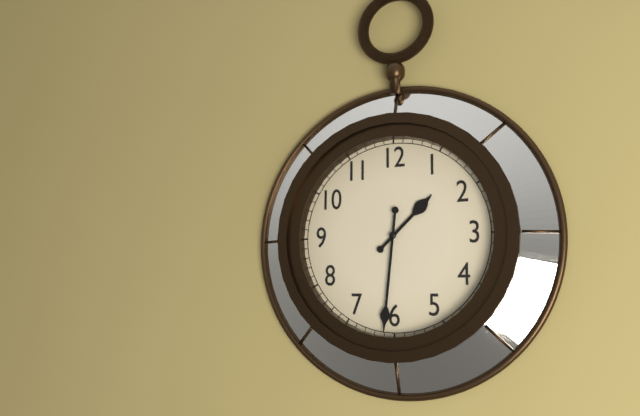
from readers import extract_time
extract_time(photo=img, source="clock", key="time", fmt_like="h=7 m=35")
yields h=1 m=31
